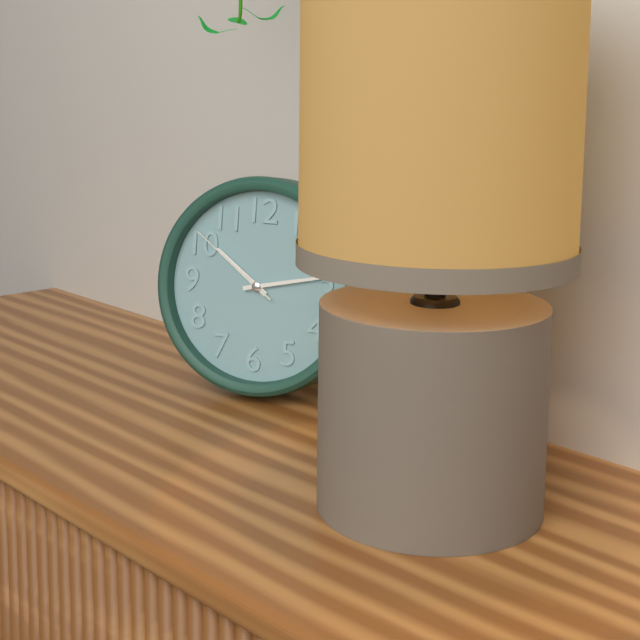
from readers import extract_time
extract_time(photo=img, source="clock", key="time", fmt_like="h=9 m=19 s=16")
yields h=10 m=13 s=51
